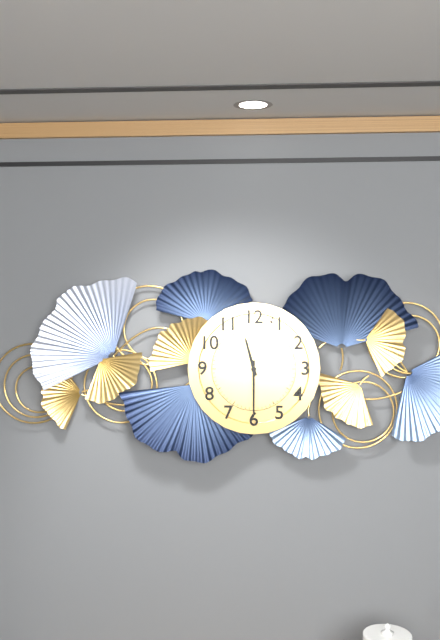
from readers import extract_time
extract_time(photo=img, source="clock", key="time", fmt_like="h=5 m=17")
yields h=11 m=30
